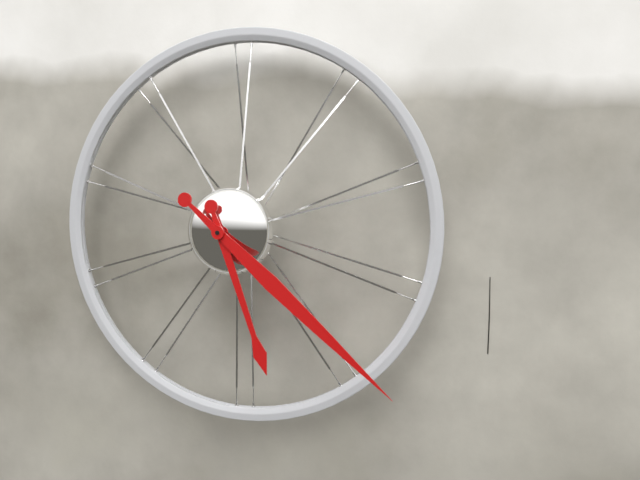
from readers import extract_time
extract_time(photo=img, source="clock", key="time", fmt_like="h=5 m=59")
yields h=5 m=22
